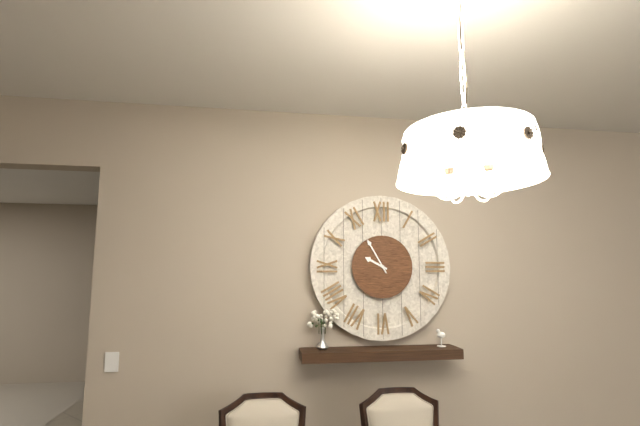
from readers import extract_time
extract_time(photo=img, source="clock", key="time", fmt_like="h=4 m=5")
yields h=9 m=55
